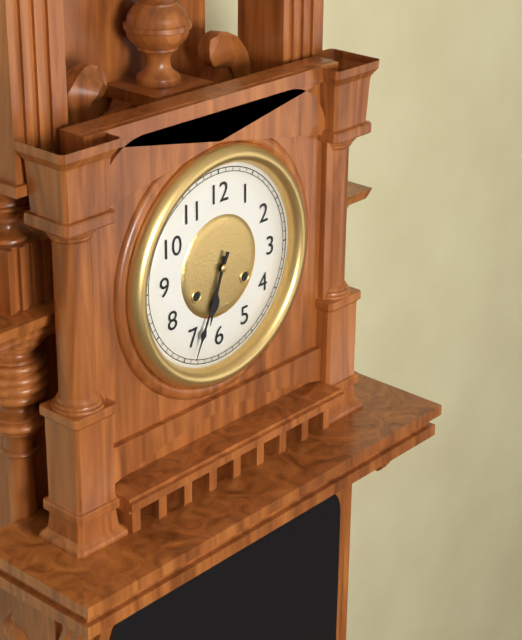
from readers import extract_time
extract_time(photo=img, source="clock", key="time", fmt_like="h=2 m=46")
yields h=6 m=34
